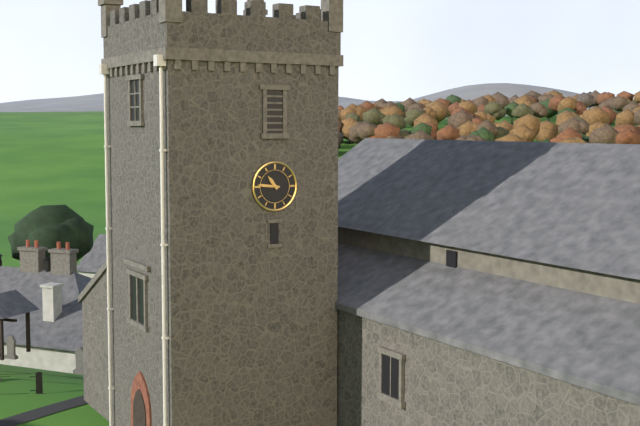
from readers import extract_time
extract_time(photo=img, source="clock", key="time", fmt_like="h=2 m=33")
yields h=10 m=46
